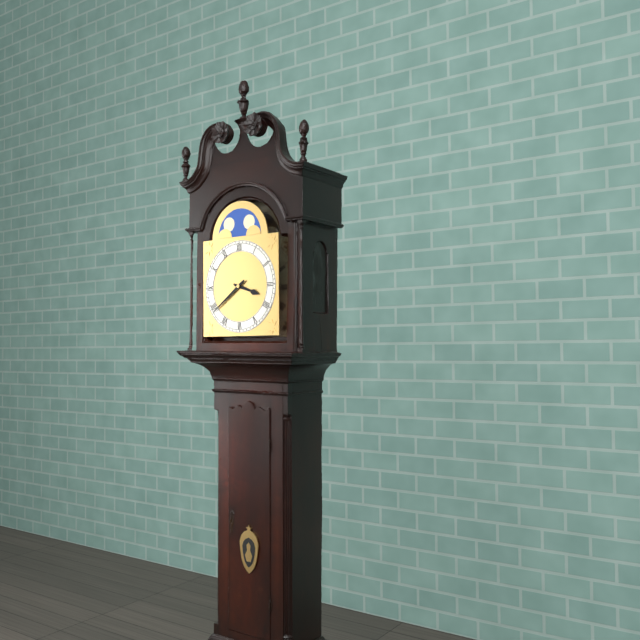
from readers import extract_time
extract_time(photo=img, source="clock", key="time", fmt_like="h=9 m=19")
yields h=3 m=39
